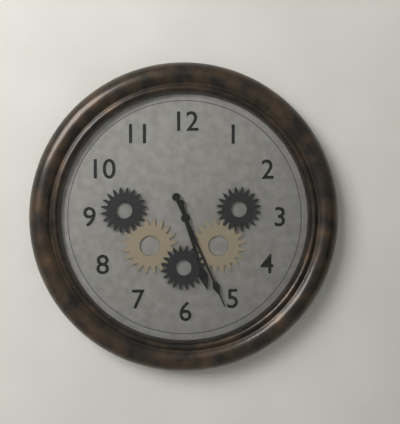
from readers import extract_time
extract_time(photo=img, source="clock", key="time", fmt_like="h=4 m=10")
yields h=5 m=26
